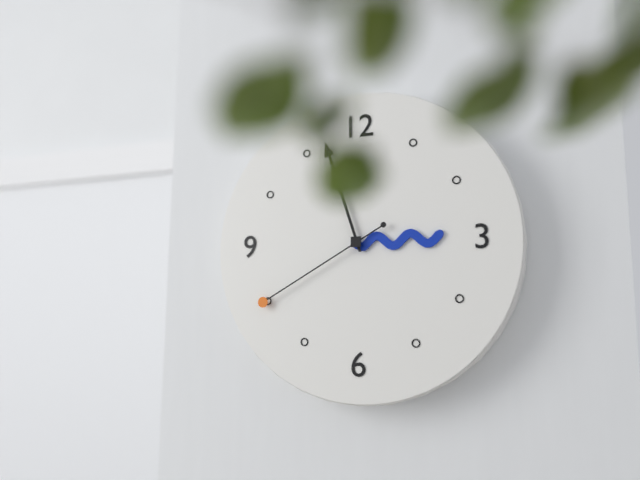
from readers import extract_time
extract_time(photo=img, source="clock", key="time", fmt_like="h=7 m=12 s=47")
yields h=2 m=57 s=40
